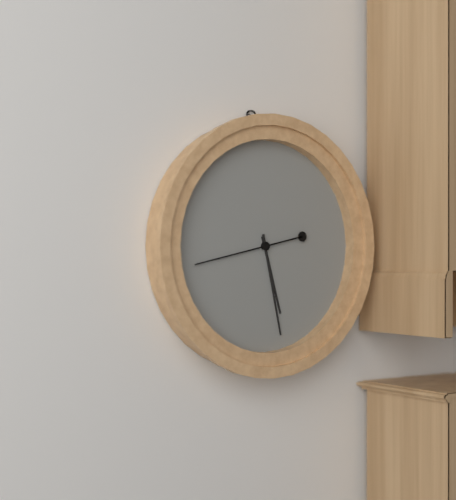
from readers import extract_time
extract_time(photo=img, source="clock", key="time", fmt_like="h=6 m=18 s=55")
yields h=5 m=28 s=43
